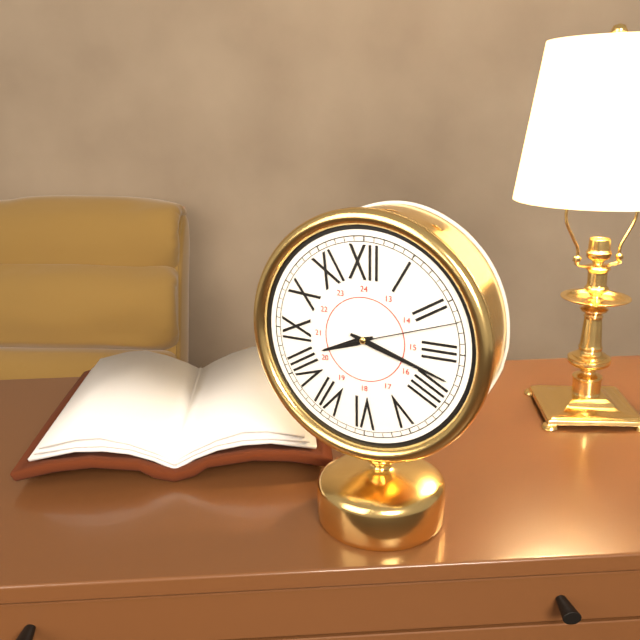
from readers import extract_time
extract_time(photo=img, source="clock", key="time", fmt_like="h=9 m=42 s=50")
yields h=8 m=18 s=12
